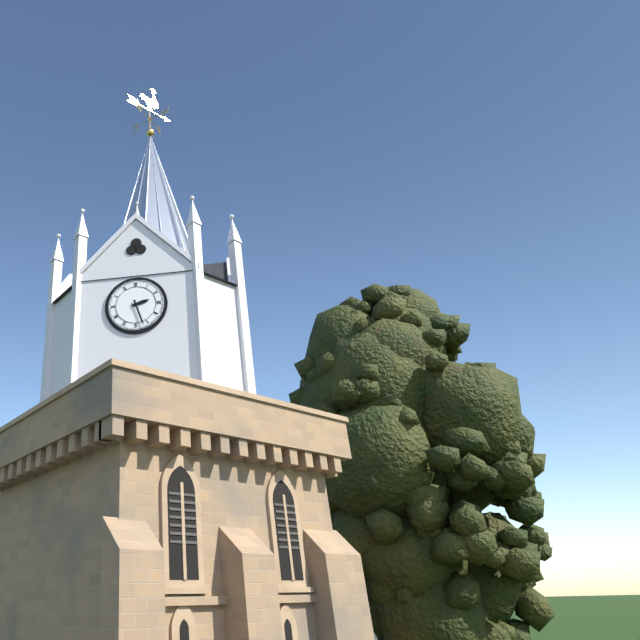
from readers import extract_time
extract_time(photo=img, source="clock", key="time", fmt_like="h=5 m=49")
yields h=2 m=27
